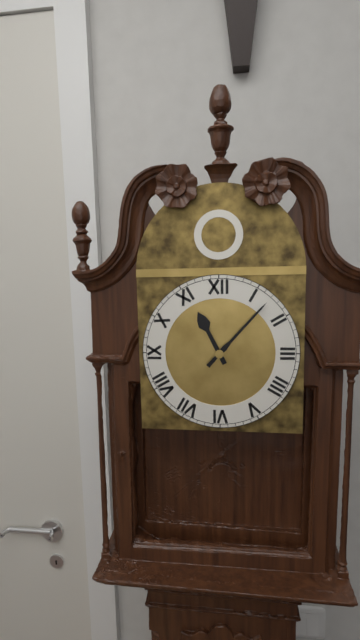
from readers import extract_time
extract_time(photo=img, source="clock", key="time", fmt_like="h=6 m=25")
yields h=11 m=7
